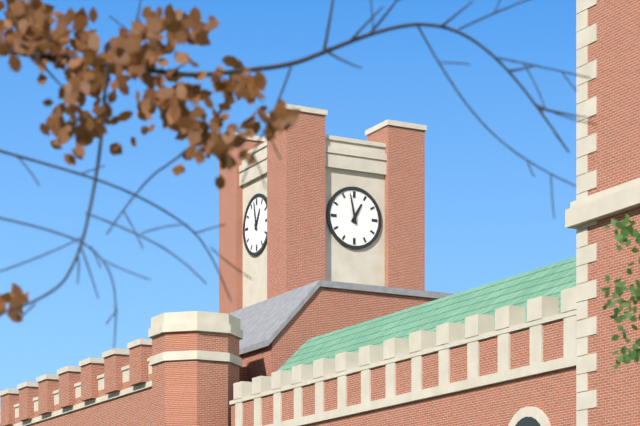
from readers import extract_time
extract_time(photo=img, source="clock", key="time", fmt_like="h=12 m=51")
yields h=12 m=58
